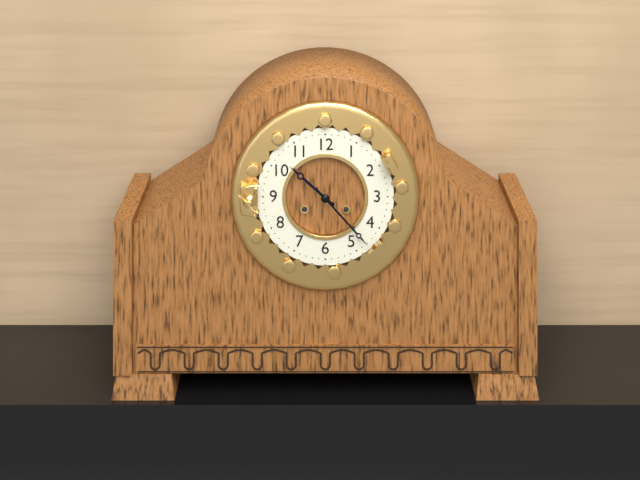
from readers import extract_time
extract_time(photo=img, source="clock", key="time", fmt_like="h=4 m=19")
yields h=10 m=23
